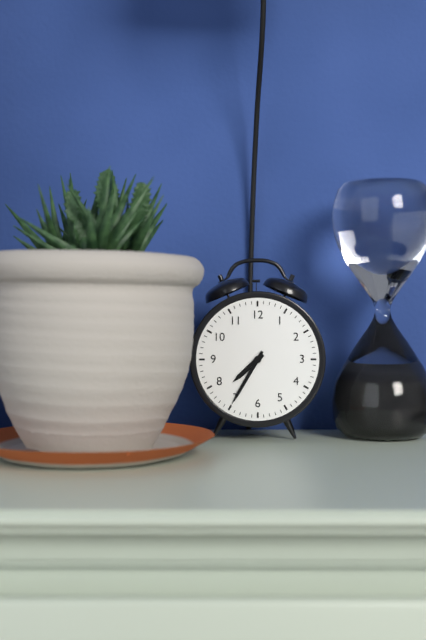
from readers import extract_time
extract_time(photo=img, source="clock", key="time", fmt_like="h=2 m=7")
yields h=7 m=35
